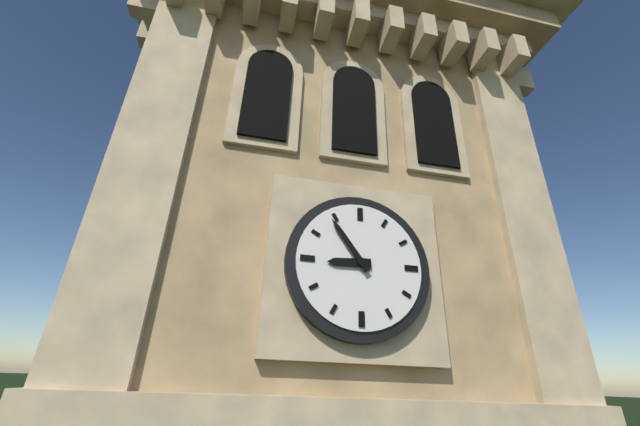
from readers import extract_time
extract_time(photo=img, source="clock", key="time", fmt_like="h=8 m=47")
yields h=8 m=54
